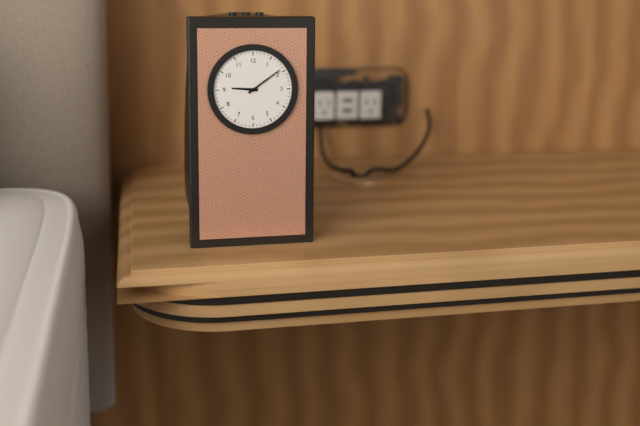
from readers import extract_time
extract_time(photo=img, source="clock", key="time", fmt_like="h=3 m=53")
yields h=9 m=9
